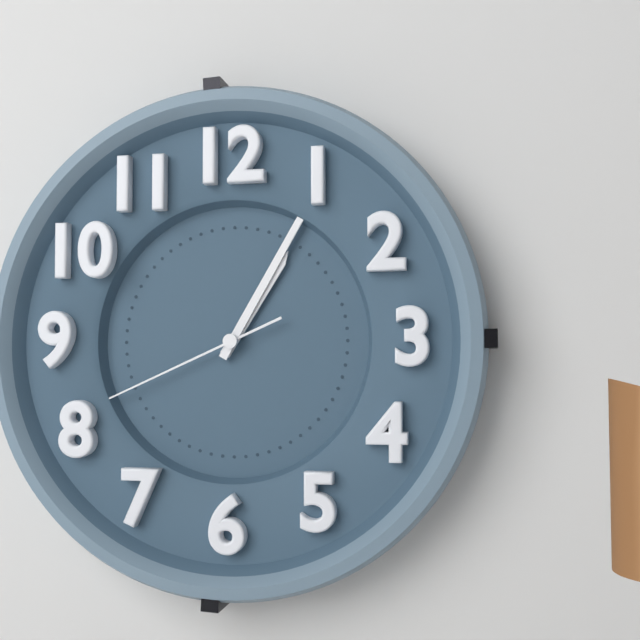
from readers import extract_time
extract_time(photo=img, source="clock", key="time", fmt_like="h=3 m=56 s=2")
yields h=1 m=5 s=41
